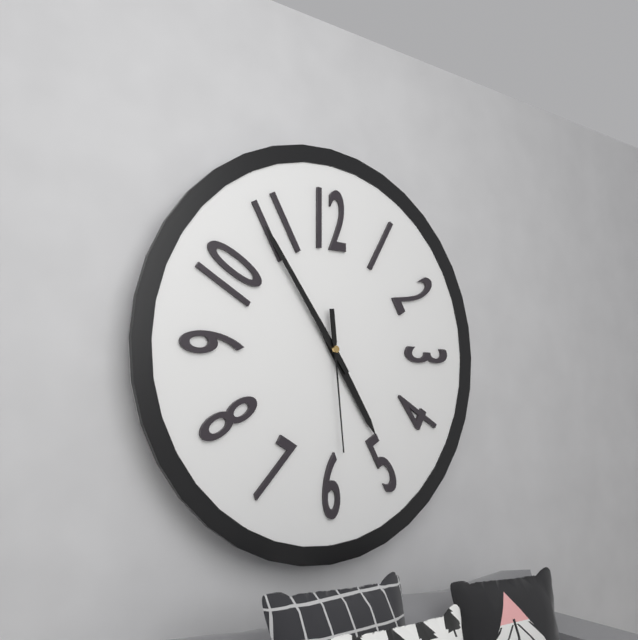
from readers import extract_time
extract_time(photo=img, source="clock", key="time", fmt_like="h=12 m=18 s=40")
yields h=4 m=54 s=29
